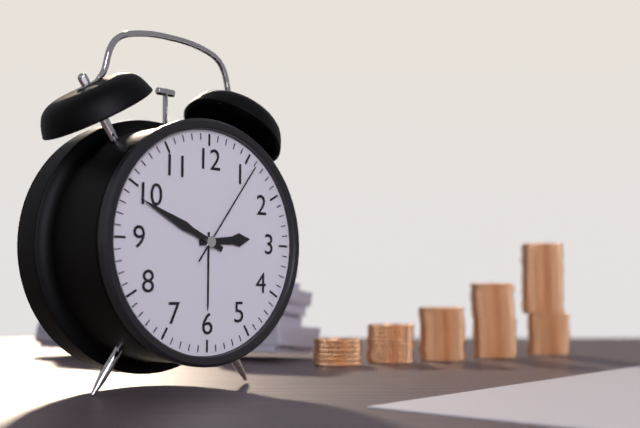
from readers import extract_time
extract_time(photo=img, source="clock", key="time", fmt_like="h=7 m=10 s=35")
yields h=2 m=49 s=6
